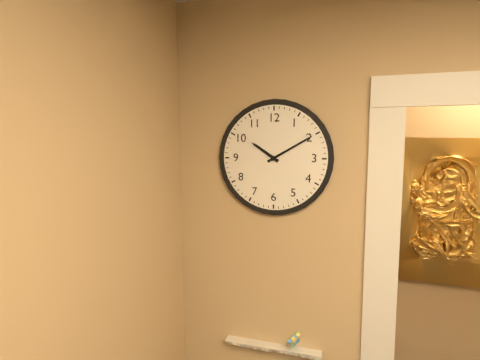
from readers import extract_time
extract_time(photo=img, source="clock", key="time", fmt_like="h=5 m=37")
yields h=10 m=10
